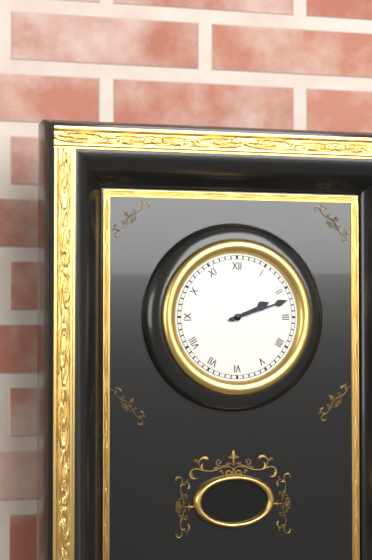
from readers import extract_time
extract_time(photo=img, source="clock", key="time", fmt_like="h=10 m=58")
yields h=2 m=12
